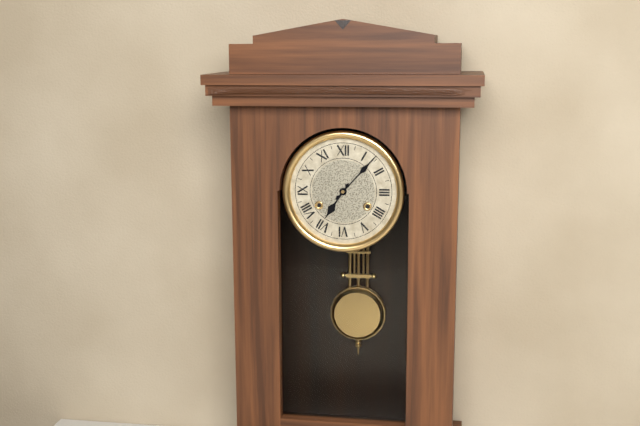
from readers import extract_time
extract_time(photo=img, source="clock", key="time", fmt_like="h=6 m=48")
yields h=7 m=7
